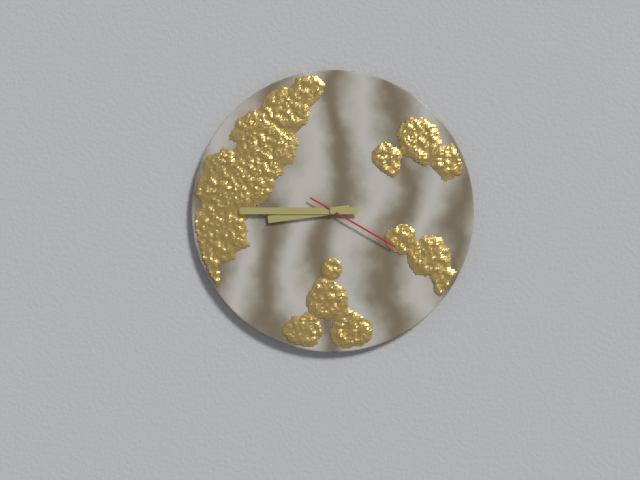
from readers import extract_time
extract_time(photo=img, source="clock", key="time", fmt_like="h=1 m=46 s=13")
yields h=8 m=45 s=20
